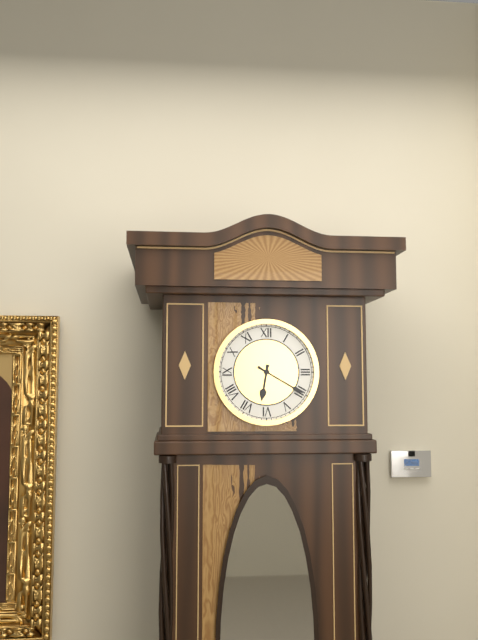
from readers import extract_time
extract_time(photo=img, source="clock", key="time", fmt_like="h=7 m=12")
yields h=6 m=20
